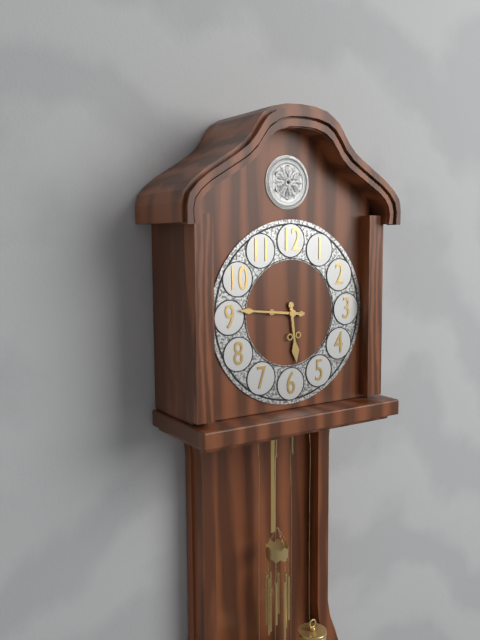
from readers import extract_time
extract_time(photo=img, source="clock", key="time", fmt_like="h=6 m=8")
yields h=5 m=46
